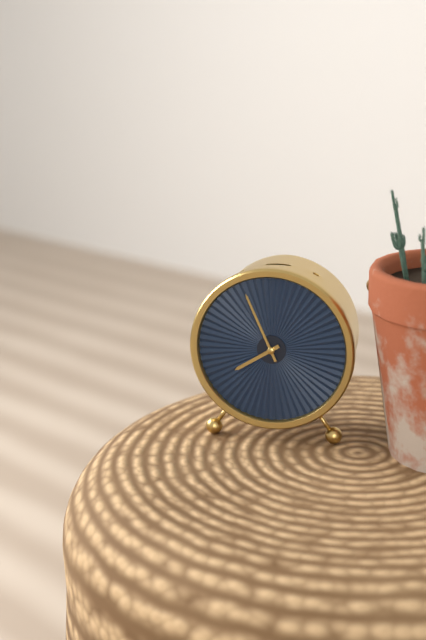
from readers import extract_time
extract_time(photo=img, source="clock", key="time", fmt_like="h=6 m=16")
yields h=7 m=56
